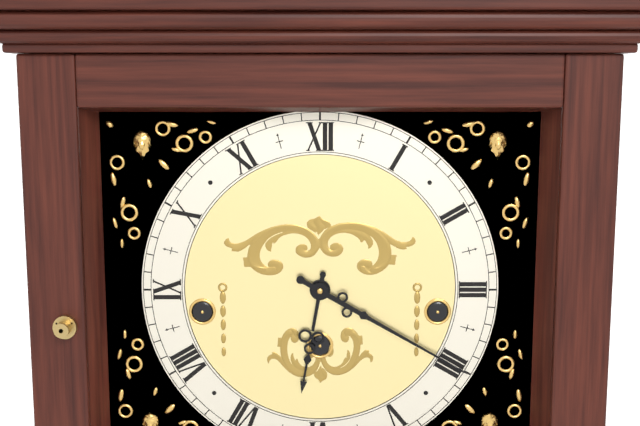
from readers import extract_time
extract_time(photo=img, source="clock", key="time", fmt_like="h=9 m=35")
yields h=6 m=20
